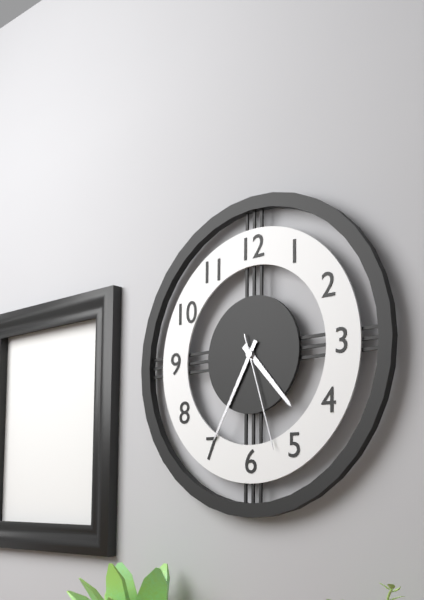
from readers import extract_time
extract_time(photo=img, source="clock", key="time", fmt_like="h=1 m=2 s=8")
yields h=4 m=35 s=27
